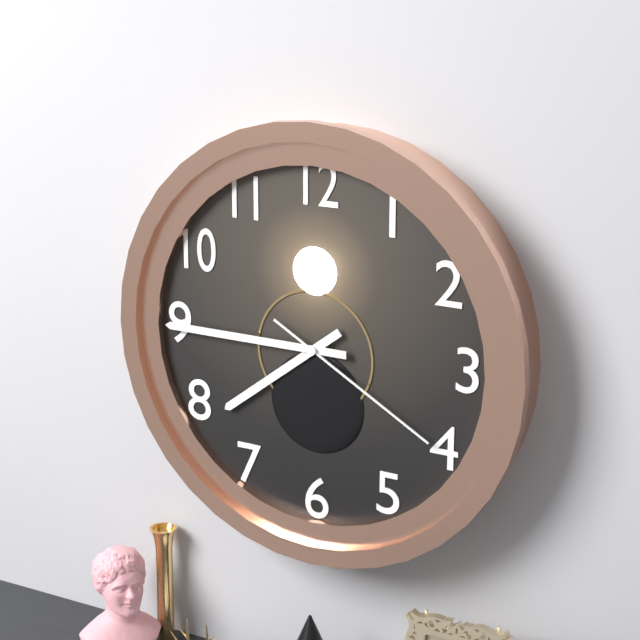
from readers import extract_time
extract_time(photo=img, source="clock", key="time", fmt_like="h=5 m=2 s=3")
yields h=7 m=45 s=20
